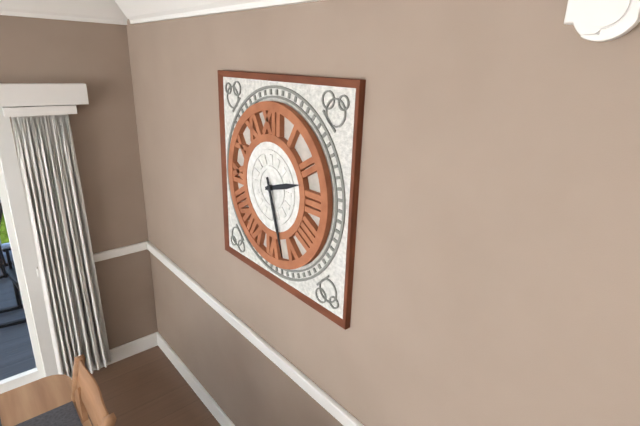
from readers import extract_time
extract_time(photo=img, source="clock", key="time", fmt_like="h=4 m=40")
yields h=2 m=27
